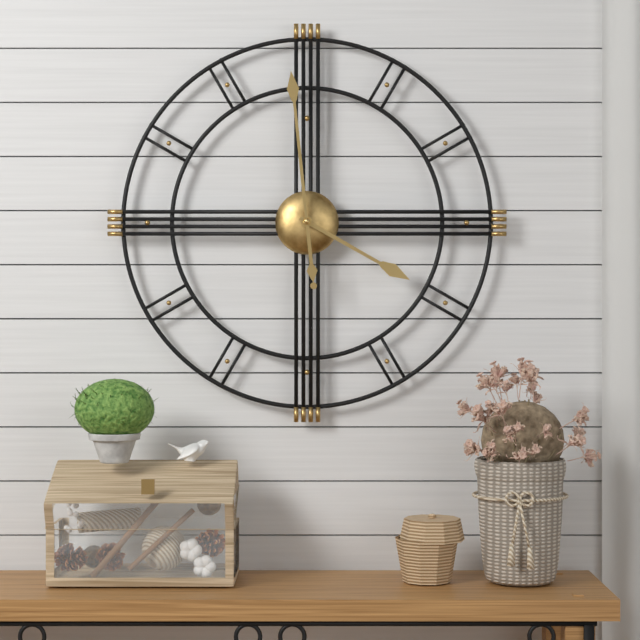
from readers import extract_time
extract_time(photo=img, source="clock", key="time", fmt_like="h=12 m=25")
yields h=3 m=59
